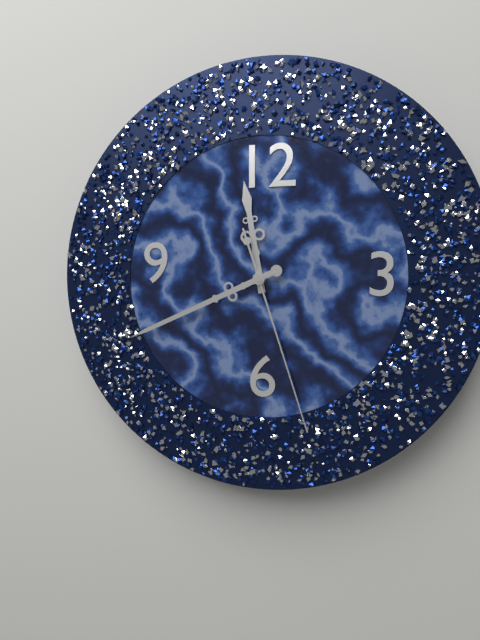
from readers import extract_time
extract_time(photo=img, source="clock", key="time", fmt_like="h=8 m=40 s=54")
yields h=11 m=41 s=27
